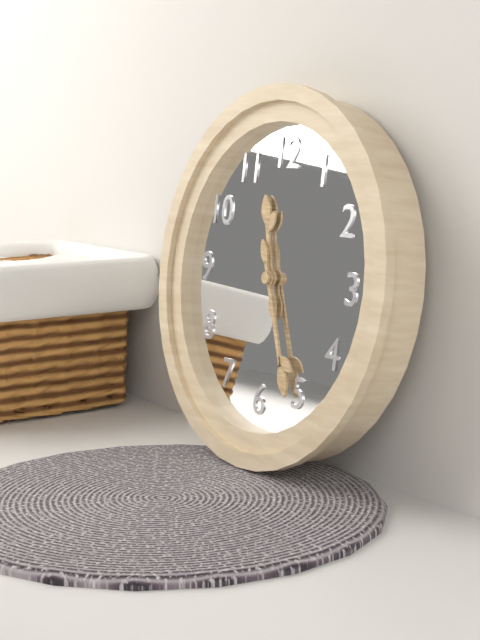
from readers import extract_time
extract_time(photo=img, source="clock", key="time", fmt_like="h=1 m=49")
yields h=11 m=26
